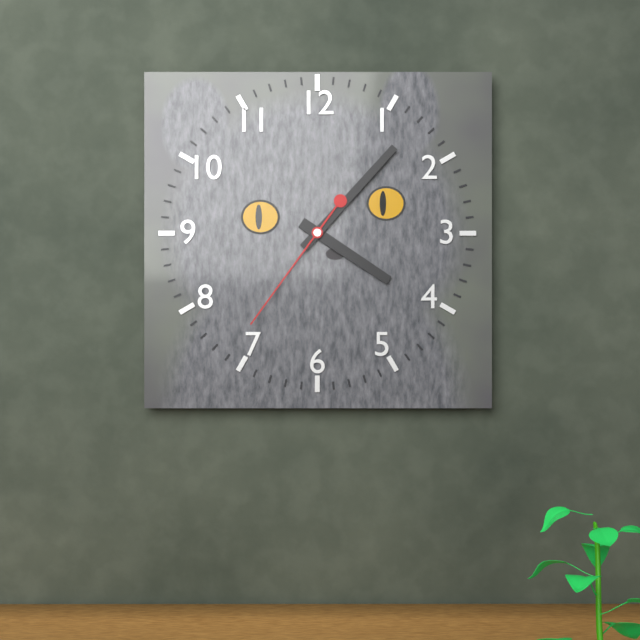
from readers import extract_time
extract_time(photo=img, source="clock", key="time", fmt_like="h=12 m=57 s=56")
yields h=4 m=7 s=36
